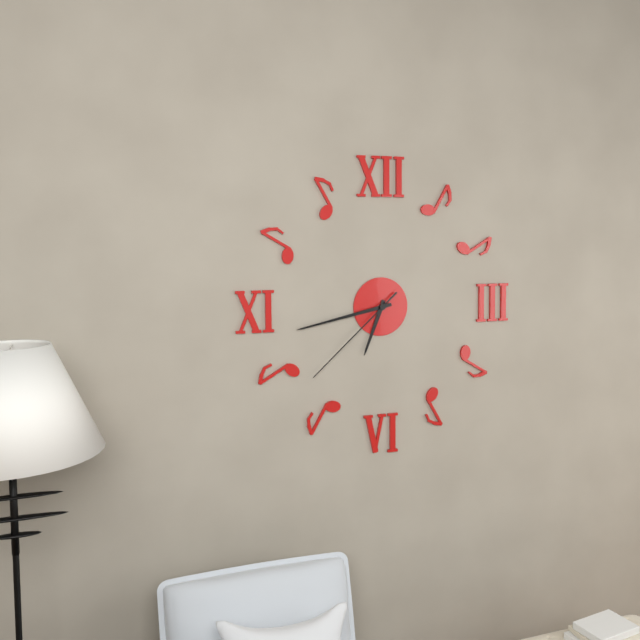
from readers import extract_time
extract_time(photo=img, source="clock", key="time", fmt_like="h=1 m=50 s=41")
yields h=6 m=43 s=38
